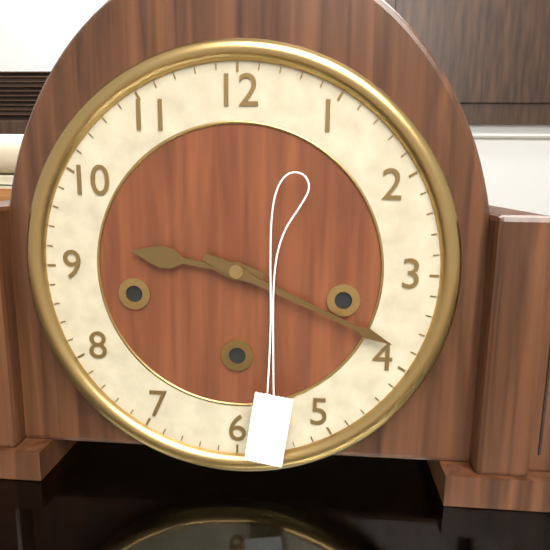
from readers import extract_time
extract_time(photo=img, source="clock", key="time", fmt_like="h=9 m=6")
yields h=9 m=19
